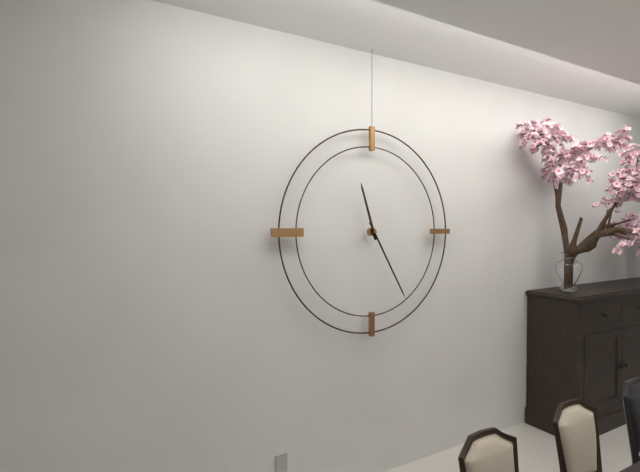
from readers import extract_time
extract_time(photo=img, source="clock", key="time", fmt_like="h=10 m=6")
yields h=11 m=25
